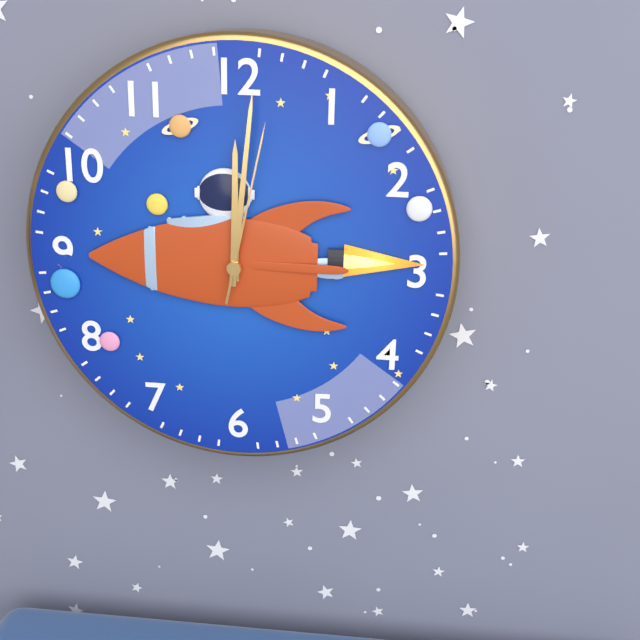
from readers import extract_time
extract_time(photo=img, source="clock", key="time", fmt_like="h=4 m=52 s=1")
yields h=12 m=1 s=2
